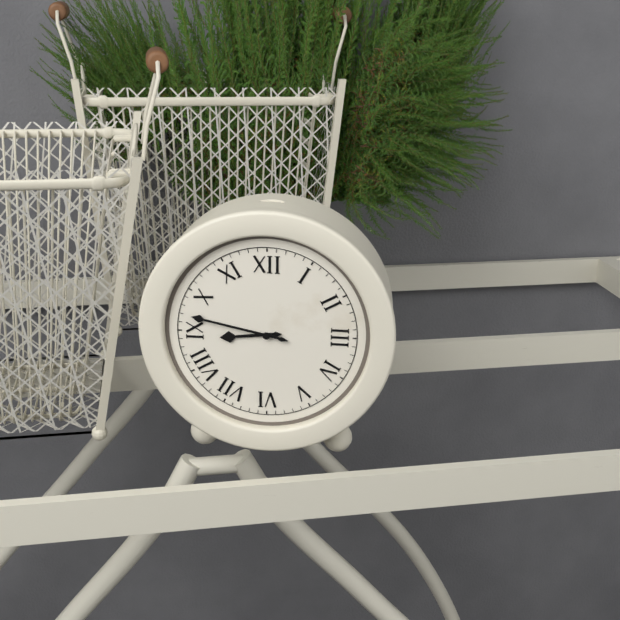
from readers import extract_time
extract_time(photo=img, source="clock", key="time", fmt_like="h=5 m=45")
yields h=8 m=47
